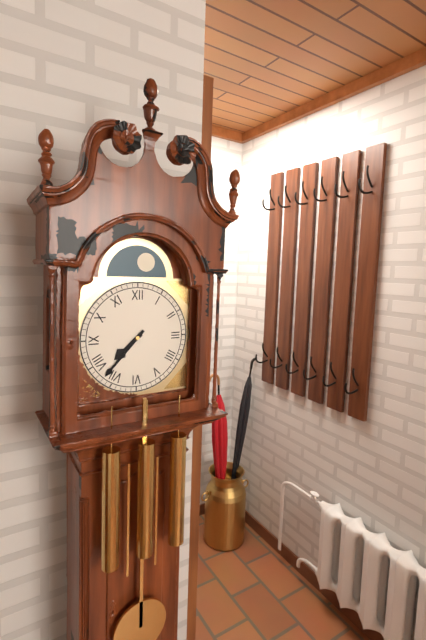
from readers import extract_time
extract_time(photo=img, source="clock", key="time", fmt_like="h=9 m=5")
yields h=7 m=37
